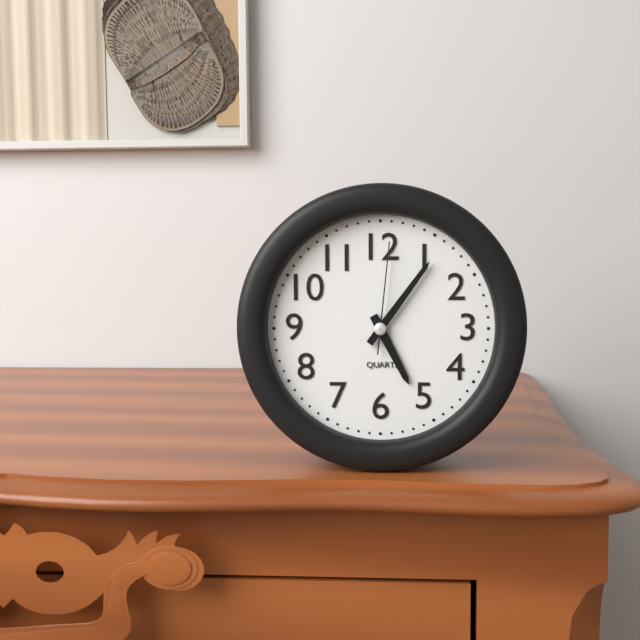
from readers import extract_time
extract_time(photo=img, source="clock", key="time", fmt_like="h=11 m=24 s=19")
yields h=5 m=6 s=1
